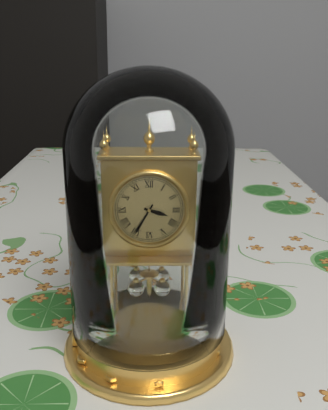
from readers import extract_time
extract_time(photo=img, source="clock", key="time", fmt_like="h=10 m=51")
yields h=3 m=35
